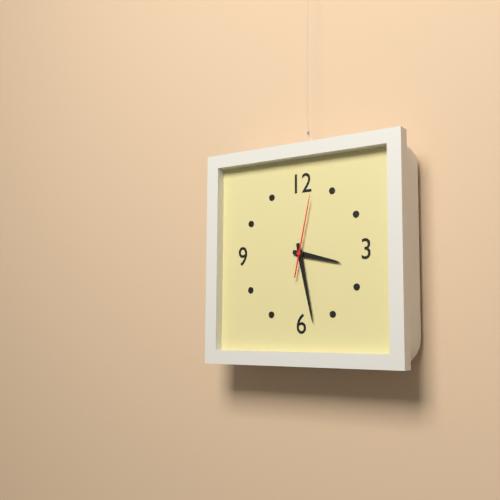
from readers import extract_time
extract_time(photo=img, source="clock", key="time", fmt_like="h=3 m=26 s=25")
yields h=3 m=28 s=2
